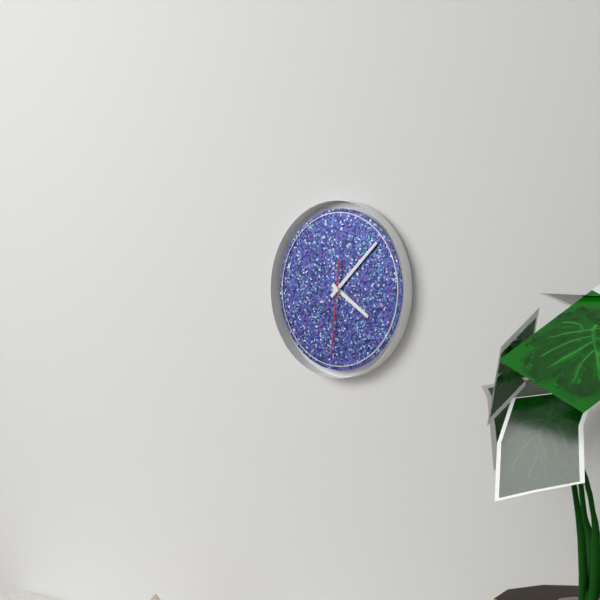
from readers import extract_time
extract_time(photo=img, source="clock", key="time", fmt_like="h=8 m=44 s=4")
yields h=4 m=8 s=31
